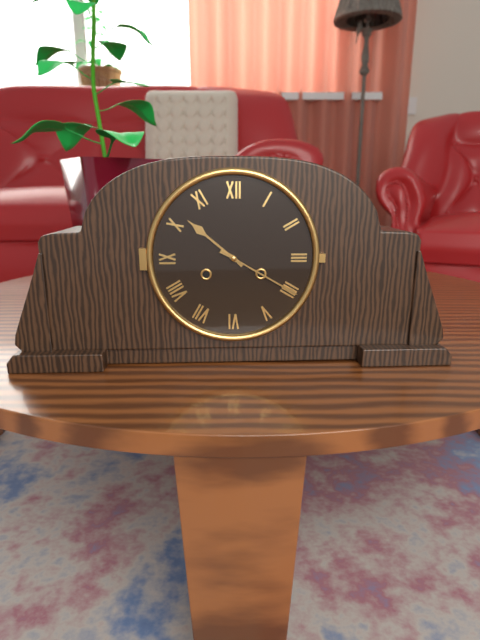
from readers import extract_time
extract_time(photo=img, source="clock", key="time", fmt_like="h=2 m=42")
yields h=10 m=20
